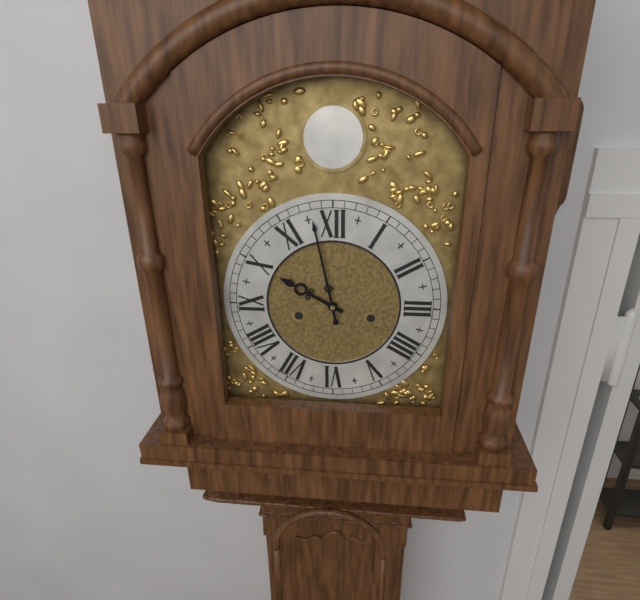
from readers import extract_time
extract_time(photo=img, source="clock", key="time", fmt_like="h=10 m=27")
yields h=9 m=58
